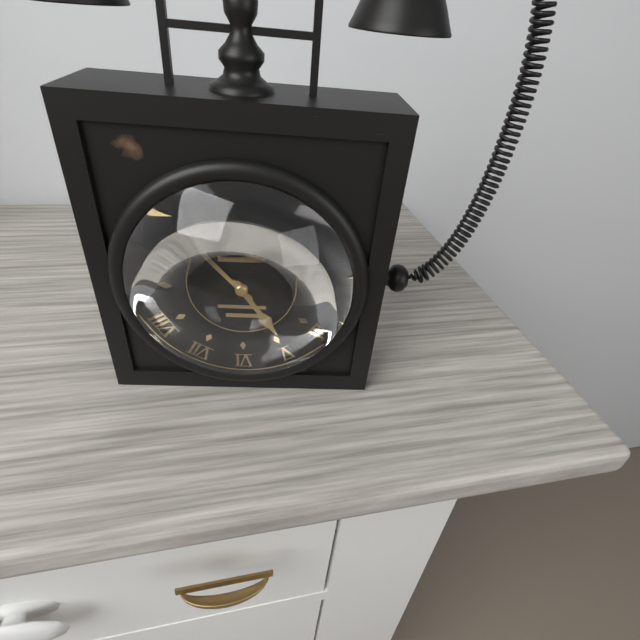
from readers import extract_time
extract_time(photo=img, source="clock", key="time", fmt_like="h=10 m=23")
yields h=4 m=53
